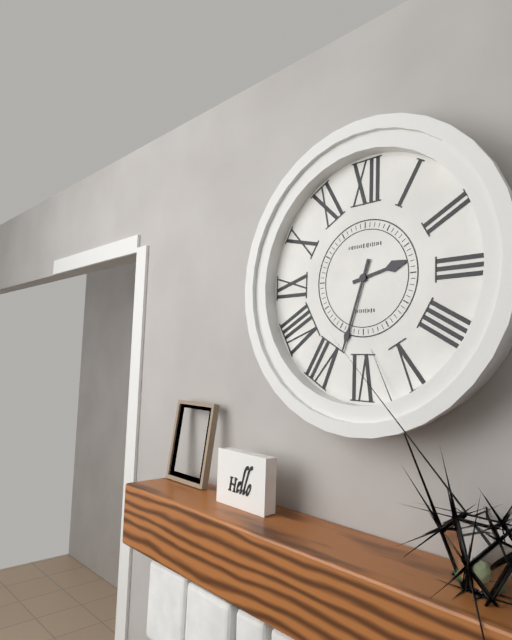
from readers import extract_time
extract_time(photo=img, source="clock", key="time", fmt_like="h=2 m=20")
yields h=2 m=33
